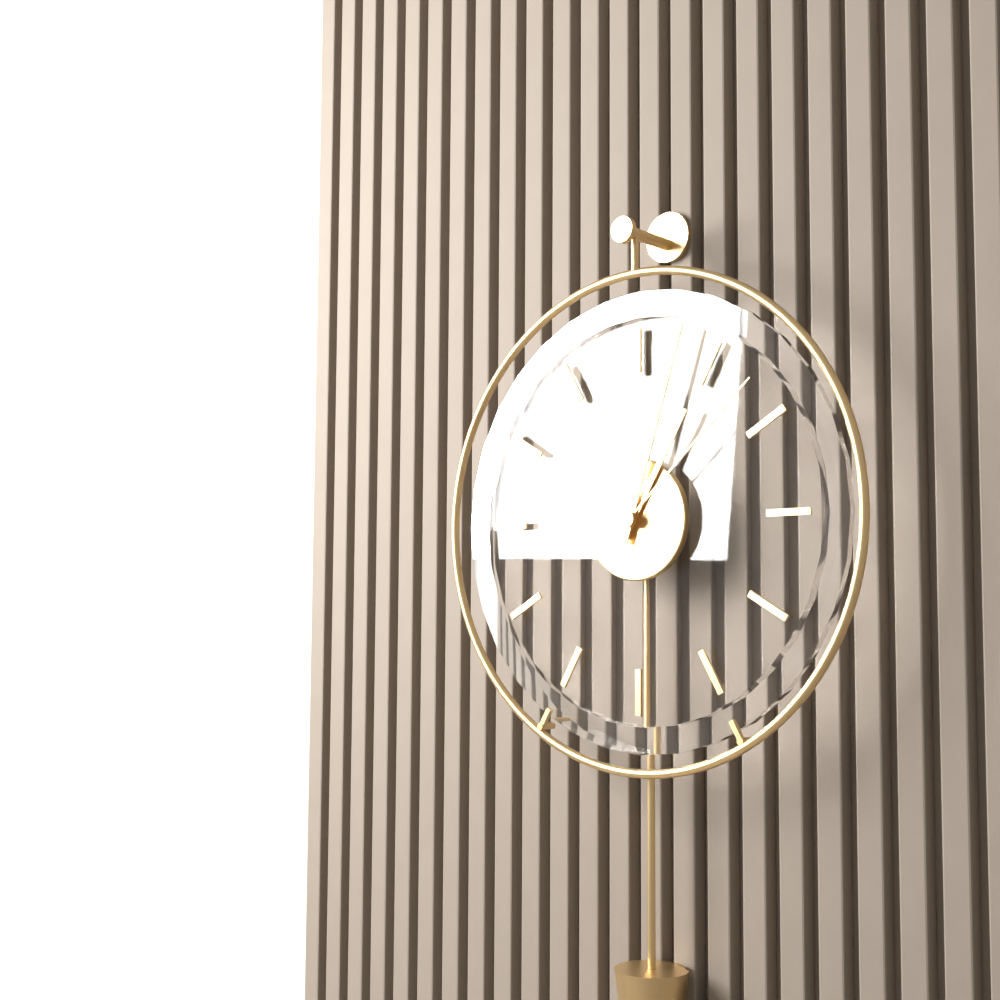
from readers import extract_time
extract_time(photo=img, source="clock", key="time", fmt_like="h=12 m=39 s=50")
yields h=1 m=3 s=8
